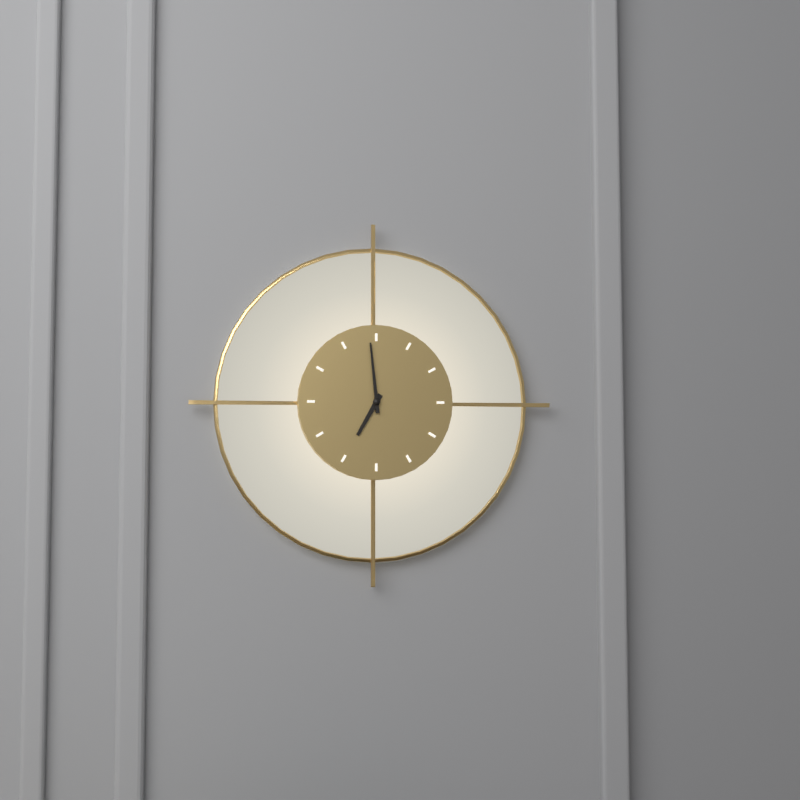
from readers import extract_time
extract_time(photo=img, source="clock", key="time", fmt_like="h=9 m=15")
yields h=6 m=59
